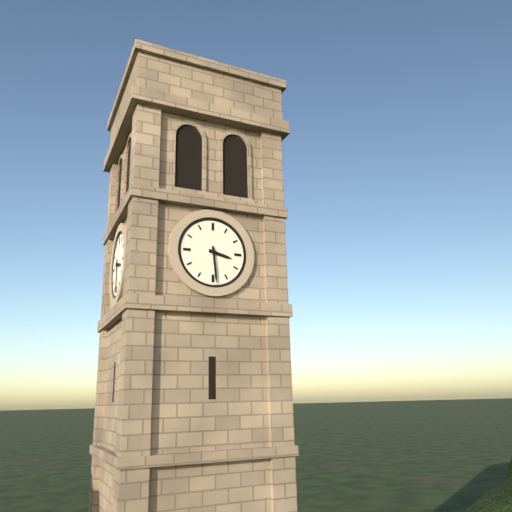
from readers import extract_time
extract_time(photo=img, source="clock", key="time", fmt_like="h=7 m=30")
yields h=3 m=29
